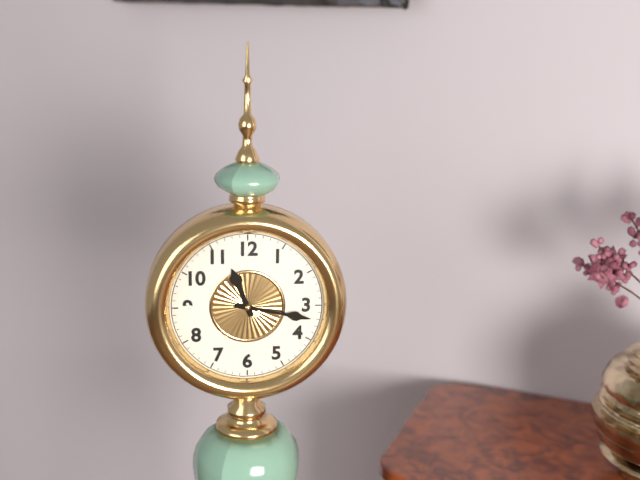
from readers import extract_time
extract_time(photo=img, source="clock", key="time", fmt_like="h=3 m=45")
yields h=11 m=17
